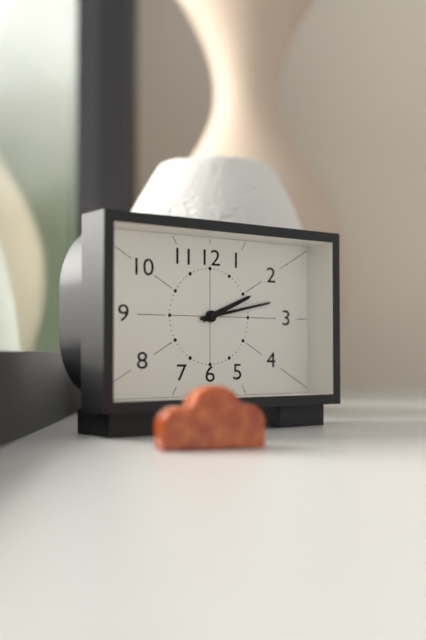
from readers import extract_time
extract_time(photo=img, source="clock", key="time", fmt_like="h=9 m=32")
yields h=2 m=13
